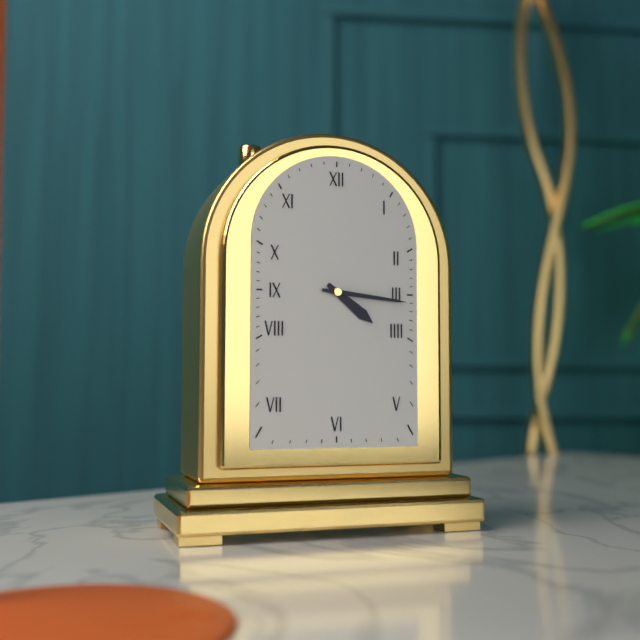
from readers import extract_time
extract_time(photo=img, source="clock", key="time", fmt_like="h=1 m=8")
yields h=4 m=16
